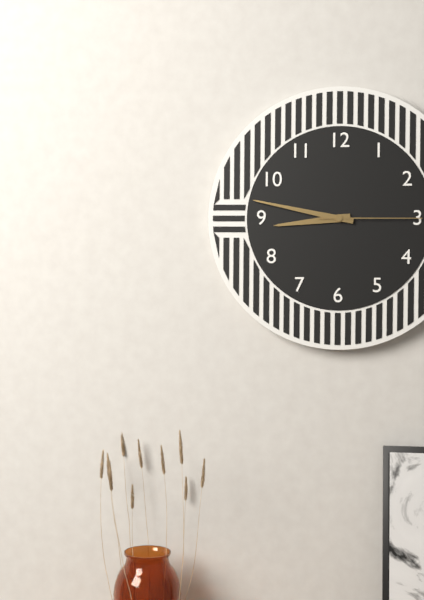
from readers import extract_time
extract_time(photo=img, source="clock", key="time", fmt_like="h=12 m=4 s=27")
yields h=8 m=47 s=15
